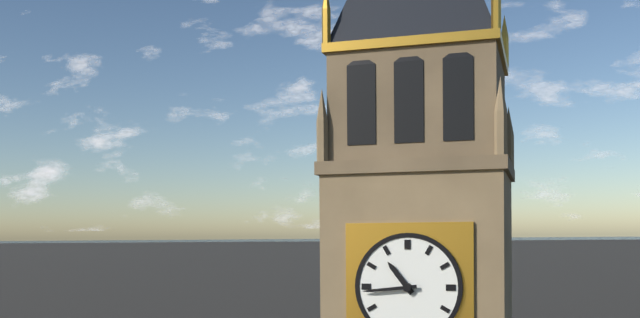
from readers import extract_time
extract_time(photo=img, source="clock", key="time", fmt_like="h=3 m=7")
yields h=10 m=44
